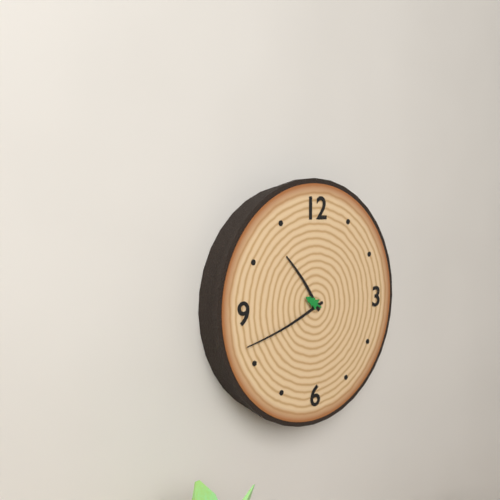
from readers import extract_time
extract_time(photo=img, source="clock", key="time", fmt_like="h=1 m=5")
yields h=10 m=42
